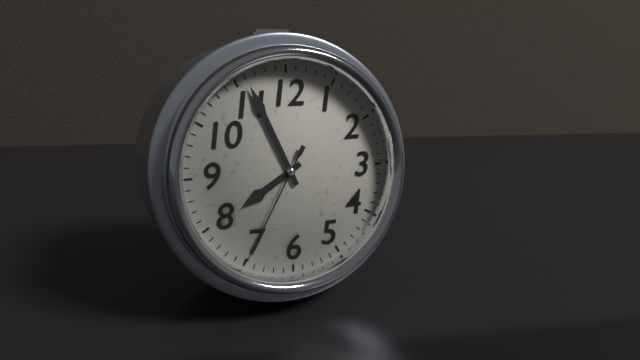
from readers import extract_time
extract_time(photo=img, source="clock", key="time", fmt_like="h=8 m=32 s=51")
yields h=7 m=56 s=35
